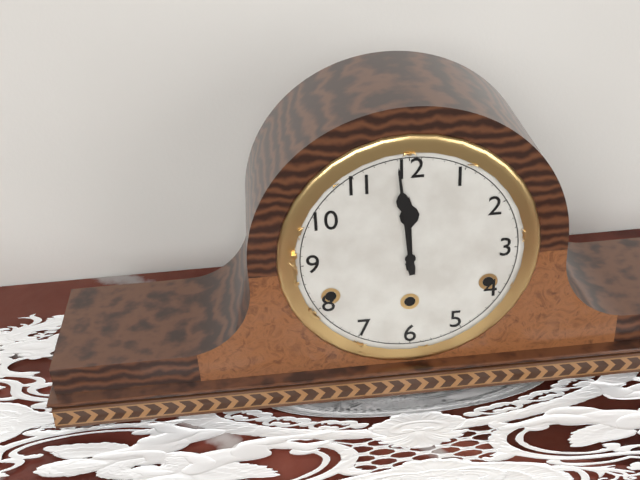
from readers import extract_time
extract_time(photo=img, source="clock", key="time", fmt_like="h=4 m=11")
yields h=11 m=59
